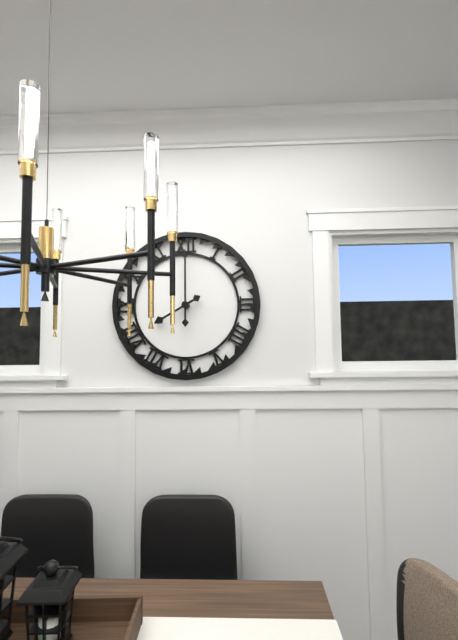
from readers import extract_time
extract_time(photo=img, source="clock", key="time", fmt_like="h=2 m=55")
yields h=8 m=0
